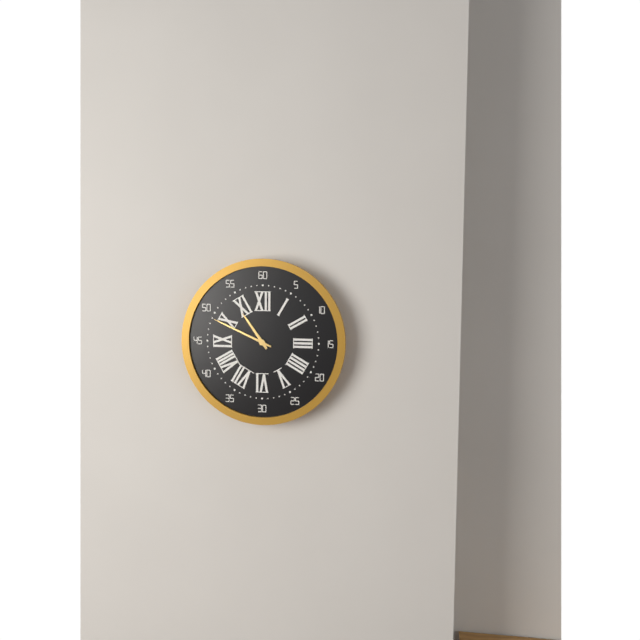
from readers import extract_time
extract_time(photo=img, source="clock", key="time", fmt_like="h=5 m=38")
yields h=10 m=49
